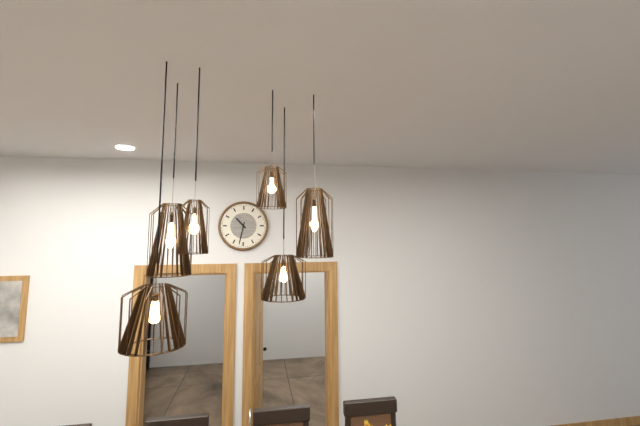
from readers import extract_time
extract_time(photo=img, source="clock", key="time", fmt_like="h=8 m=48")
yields h=10 m=32
